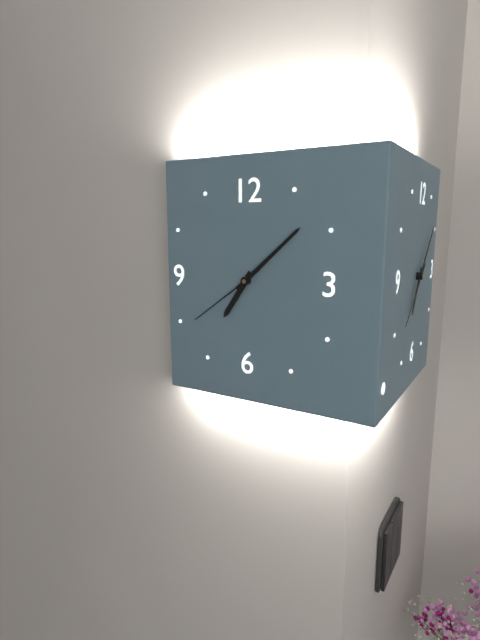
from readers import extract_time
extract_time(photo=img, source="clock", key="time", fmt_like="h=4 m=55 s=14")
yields h=7 m=8 s=39
